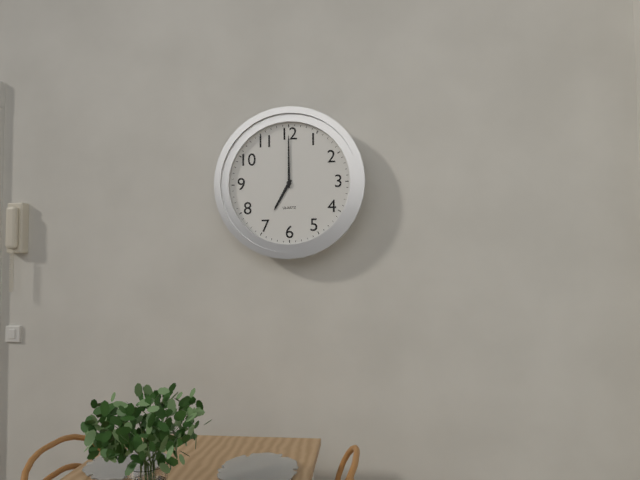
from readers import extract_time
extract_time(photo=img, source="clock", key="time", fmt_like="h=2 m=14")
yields h=7 m=0
